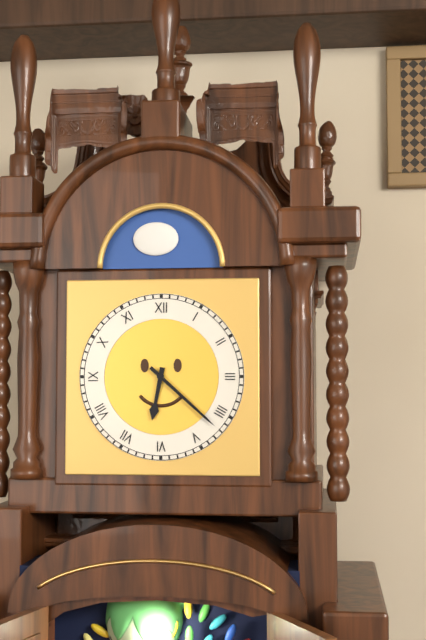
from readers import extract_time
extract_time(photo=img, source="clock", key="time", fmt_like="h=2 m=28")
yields h=6 m=22
